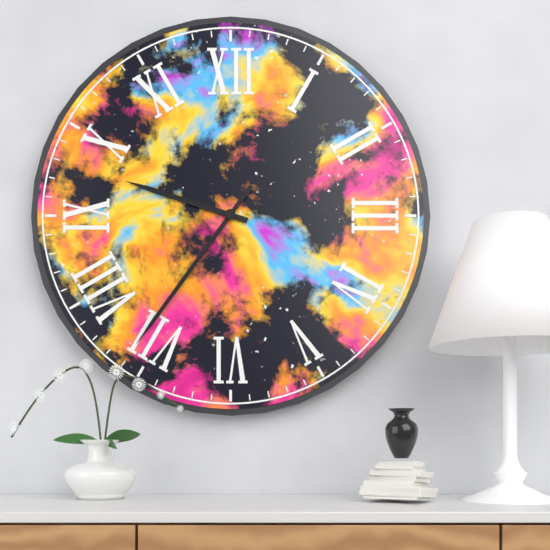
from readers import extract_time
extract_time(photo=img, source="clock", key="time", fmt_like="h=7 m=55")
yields h=9 m=36
